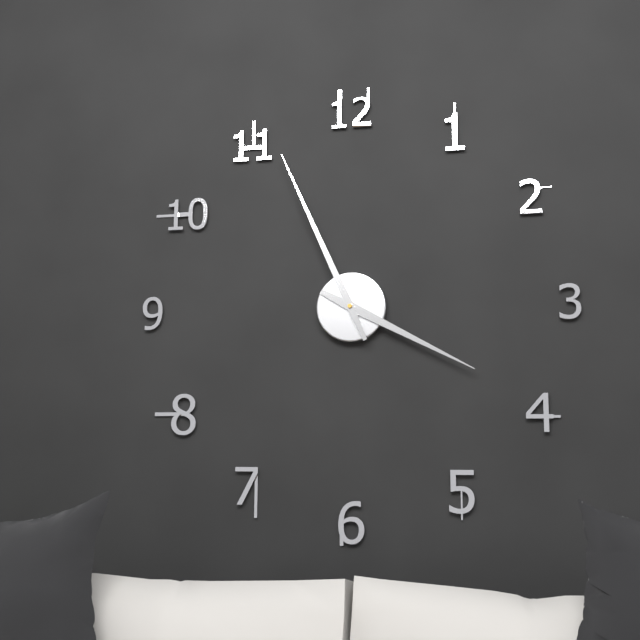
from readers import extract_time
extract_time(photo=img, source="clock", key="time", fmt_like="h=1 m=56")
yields h=3 m=56
